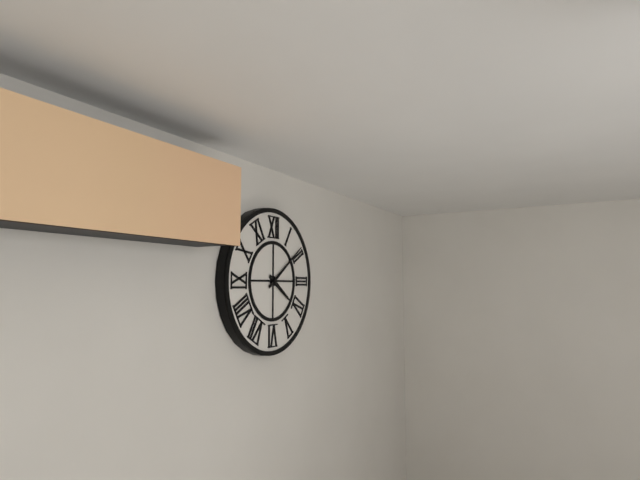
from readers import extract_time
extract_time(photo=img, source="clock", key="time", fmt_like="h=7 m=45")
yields h=4 m=9
